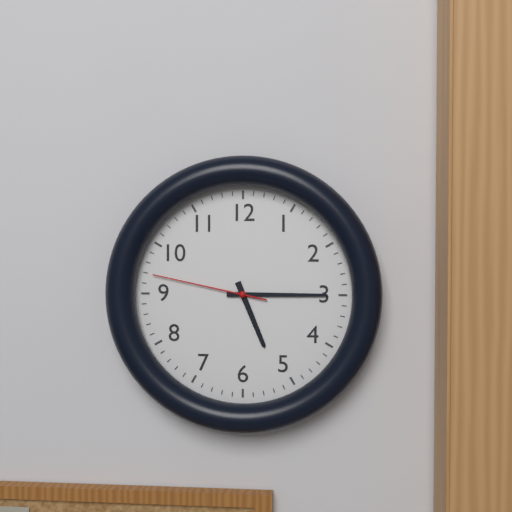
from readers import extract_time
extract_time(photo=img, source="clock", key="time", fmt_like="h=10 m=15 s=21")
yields h=5 m=15 s=47
